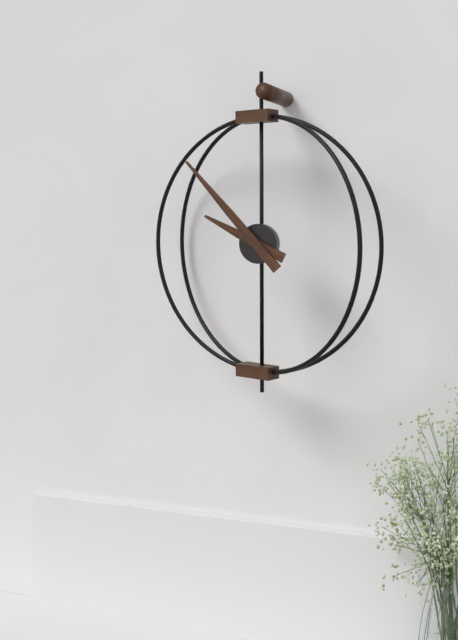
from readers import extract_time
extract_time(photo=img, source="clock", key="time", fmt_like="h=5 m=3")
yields h=9 m=53
